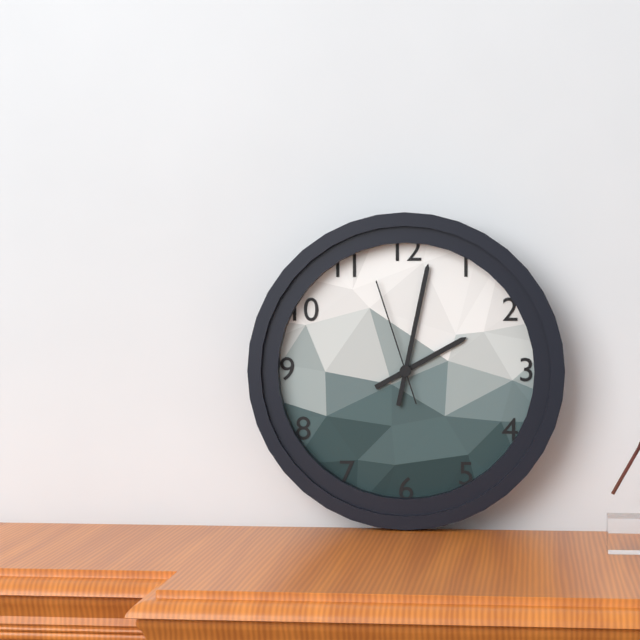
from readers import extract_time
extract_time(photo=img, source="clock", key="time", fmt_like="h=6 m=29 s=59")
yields h=2 m=2 s=57
